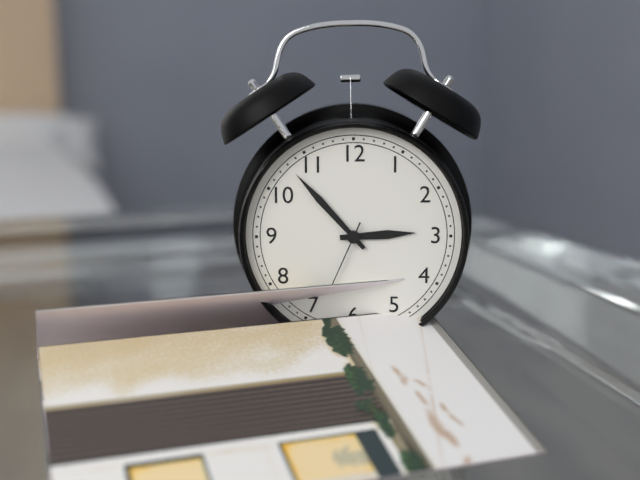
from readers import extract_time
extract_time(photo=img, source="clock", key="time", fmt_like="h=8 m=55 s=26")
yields h=2 m=53 s=34
